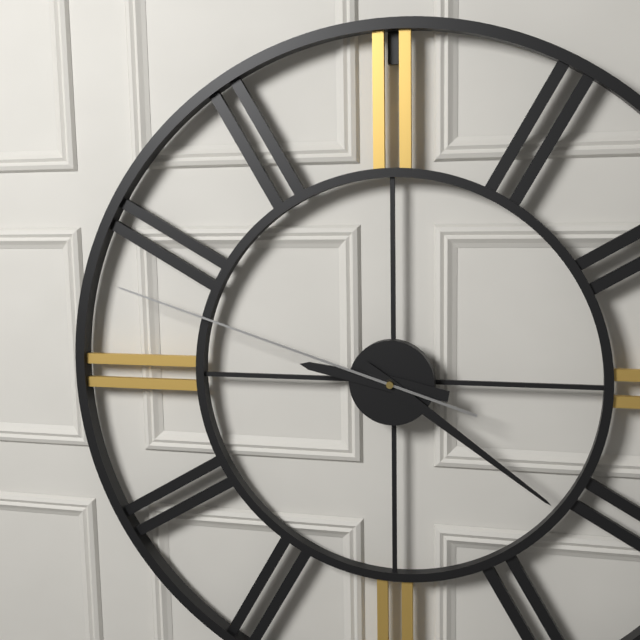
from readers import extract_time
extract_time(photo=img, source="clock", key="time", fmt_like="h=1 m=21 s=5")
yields h=9 m=21 s=48
